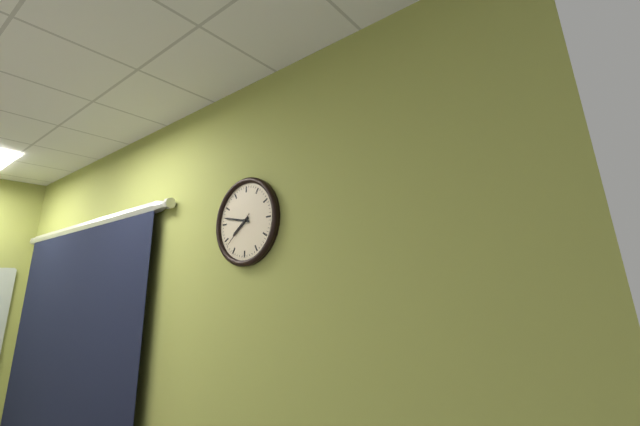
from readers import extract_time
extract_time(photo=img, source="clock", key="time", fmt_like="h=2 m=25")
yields h=7 m=47
